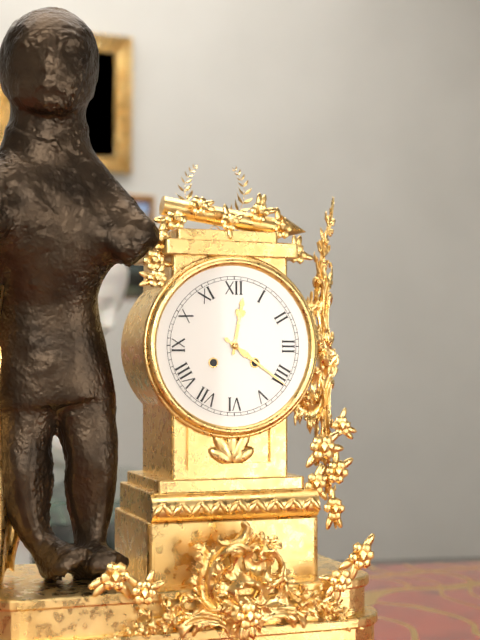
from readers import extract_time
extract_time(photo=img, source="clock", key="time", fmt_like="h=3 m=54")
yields h=12 m=21
